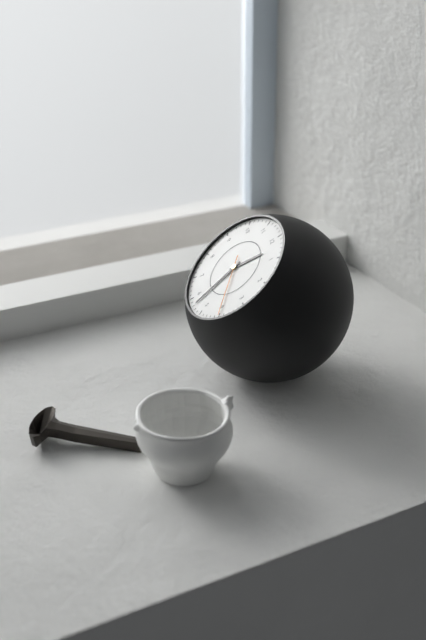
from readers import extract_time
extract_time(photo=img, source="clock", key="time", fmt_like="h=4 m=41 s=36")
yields h=12 m=28 s=20
